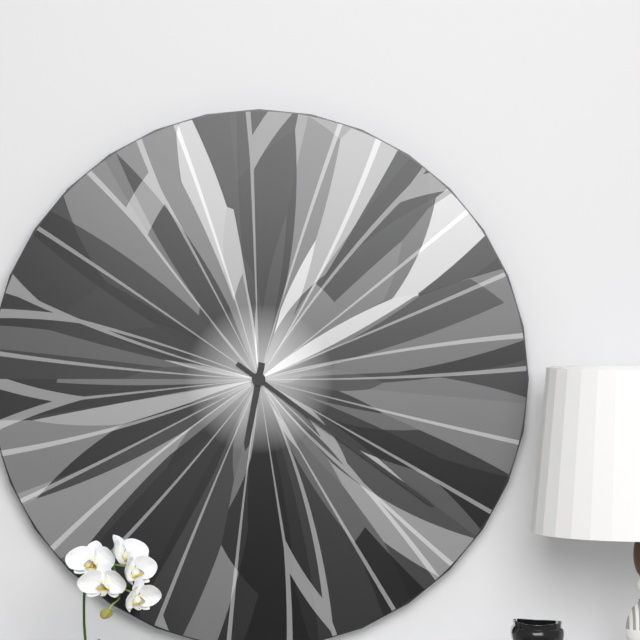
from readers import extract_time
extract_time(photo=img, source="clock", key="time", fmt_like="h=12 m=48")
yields h=6 m=21
